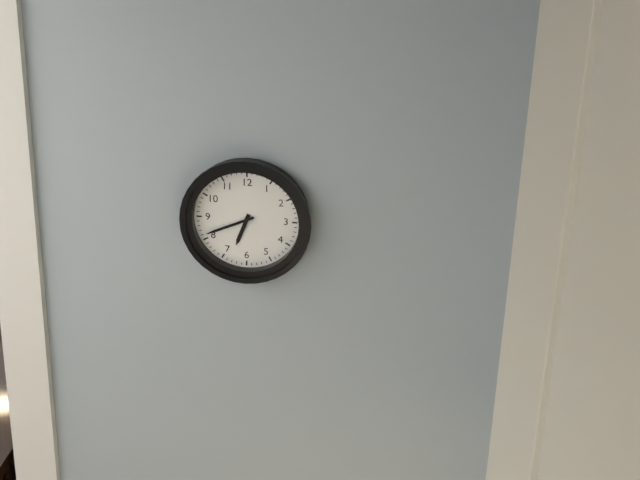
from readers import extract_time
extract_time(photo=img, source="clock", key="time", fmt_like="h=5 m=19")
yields h=6 m=41
